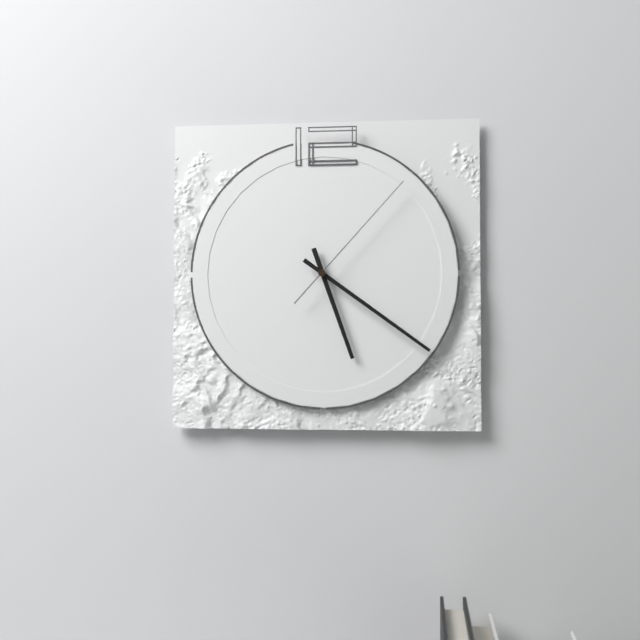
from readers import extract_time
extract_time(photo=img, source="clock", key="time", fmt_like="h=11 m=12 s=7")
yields h=5 m=21 s=7
